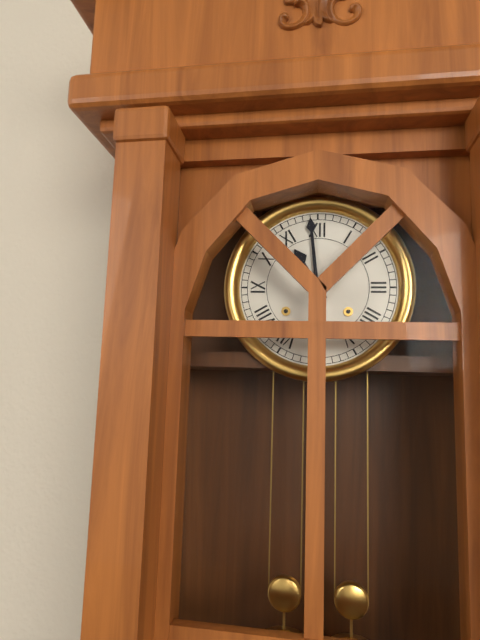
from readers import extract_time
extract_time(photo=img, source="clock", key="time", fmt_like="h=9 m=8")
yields h=10 m=59
